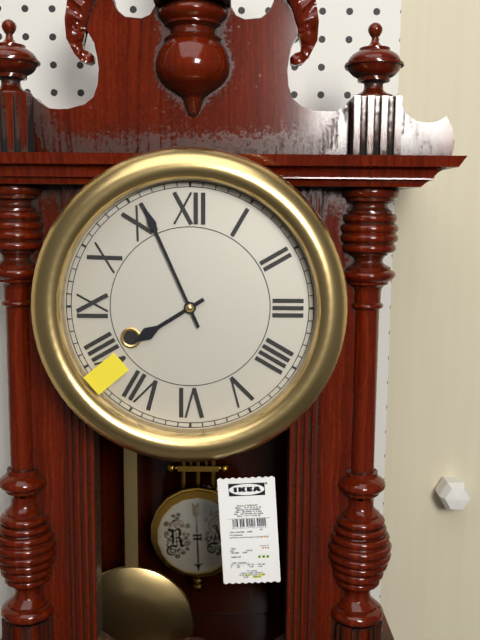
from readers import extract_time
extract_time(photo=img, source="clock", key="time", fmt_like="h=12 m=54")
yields h=7 m=56
